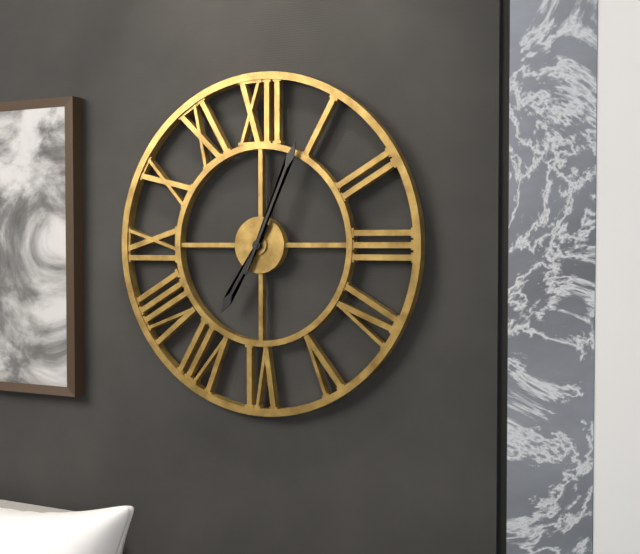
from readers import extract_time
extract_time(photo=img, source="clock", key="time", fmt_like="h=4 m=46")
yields h=7 m=4
